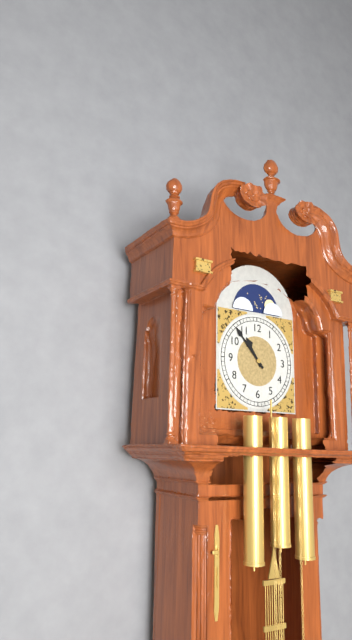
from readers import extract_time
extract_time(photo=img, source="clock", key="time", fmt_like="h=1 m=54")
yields h=10 m=53
